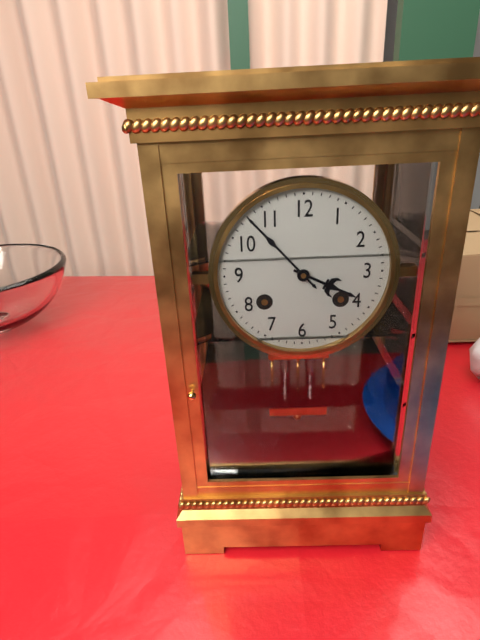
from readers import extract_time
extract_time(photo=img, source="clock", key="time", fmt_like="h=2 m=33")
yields h=3 m=53
